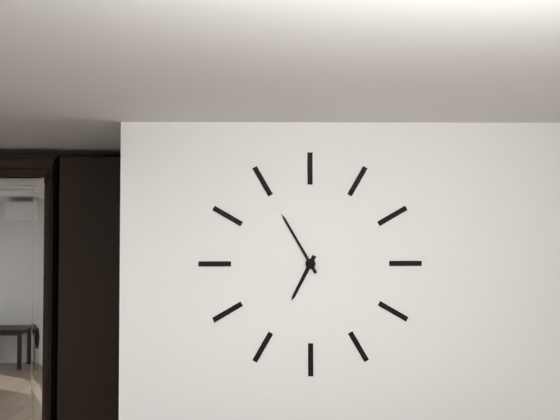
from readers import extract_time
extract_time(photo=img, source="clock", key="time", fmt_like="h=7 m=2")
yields h=6 m=55
